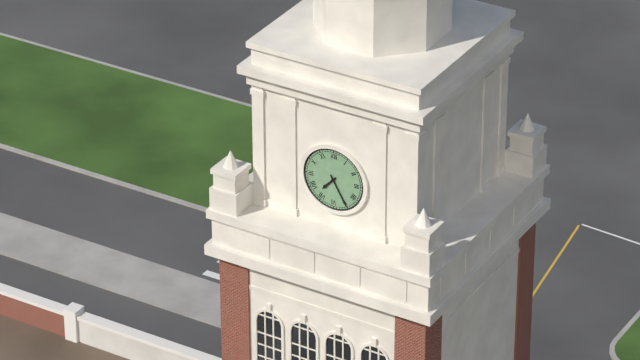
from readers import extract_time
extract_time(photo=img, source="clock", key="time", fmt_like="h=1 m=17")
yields h=7 m=25
